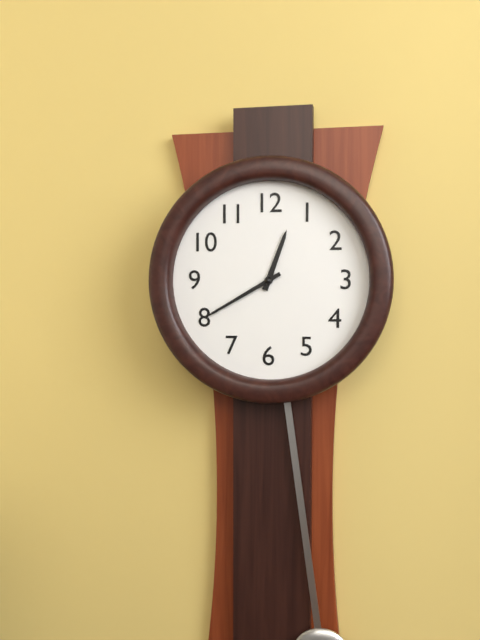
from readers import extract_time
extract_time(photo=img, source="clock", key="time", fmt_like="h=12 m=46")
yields h=12 m=40
